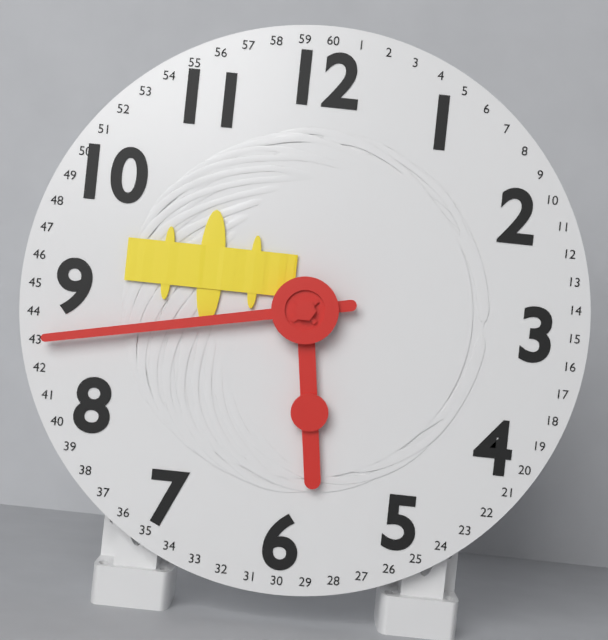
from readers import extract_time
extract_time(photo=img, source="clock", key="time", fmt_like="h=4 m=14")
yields h=5 m=43
